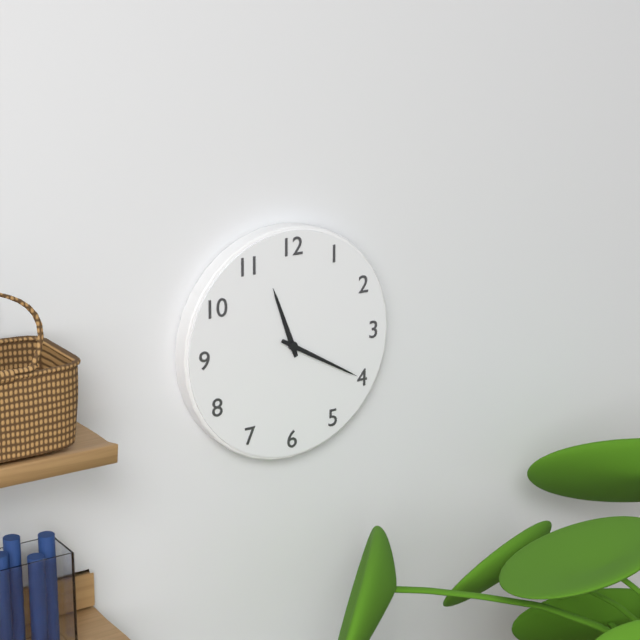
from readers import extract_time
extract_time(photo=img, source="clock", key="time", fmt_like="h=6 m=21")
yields h=11 m=20
